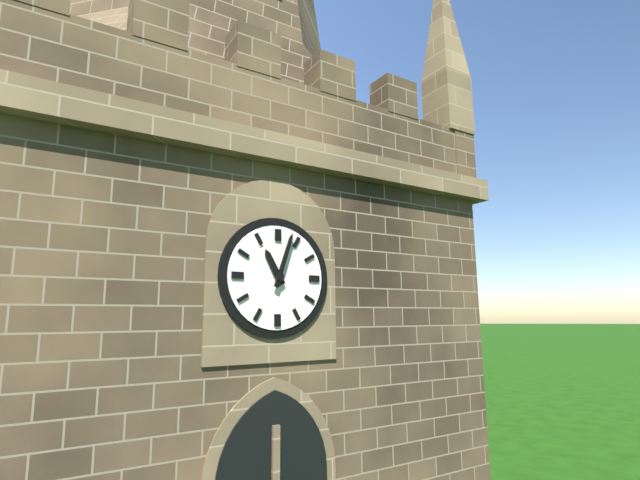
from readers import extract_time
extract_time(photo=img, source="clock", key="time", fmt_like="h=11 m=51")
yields h=11 m=3
